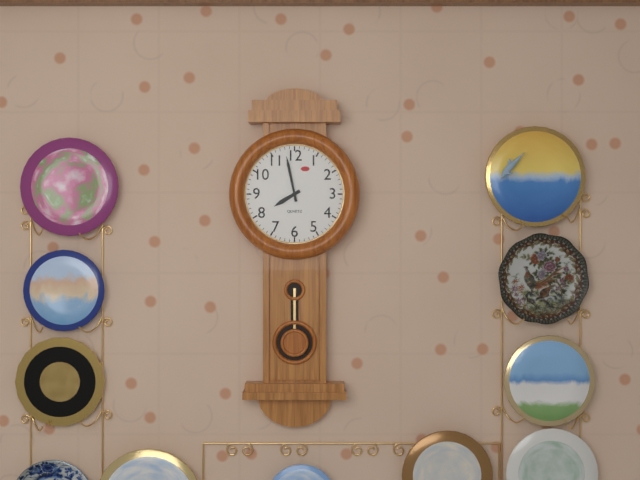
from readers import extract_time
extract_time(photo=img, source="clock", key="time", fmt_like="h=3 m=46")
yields h=7 m=58
